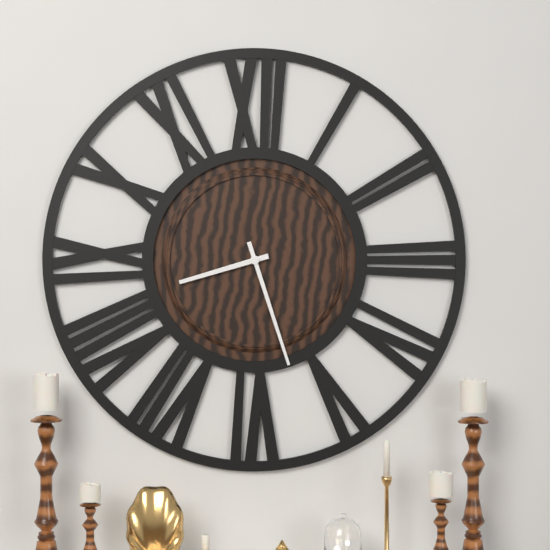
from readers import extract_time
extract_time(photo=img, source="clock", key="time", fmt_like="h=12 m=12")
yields h=8 m=27
